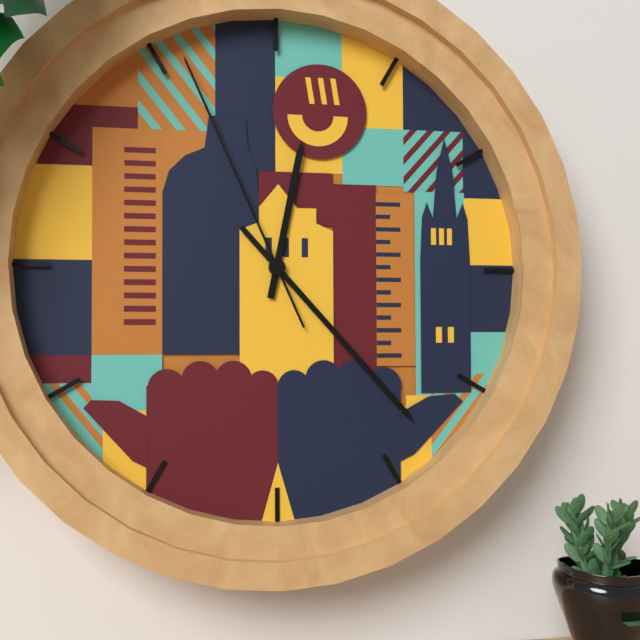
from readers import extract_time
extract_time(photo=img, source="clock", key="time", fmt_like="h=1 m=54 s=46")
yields h=12 m=23 s=56
